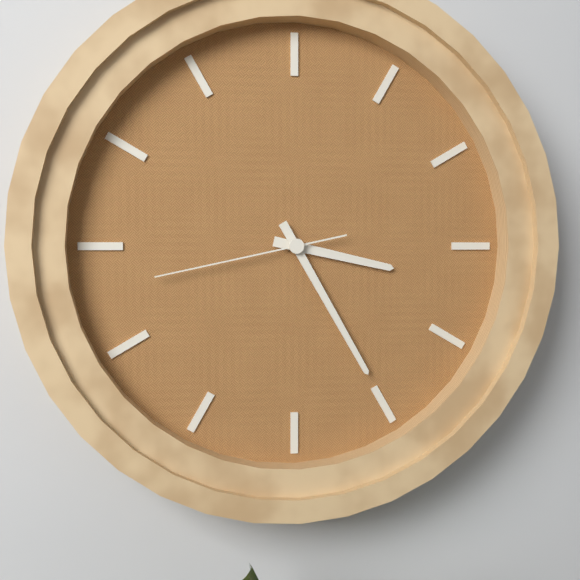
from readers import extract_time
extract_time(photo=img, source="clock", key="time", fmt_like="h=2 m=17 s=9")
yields h=3 m=25 s=43
